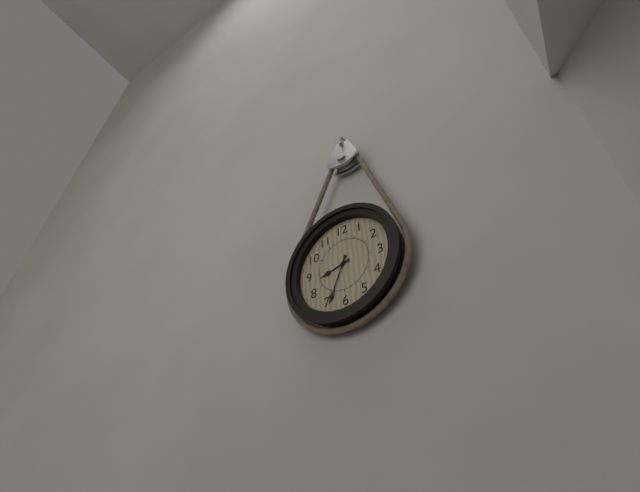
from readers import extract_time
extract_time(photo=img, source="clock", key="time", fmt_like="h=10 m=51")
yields h=8 m=34
